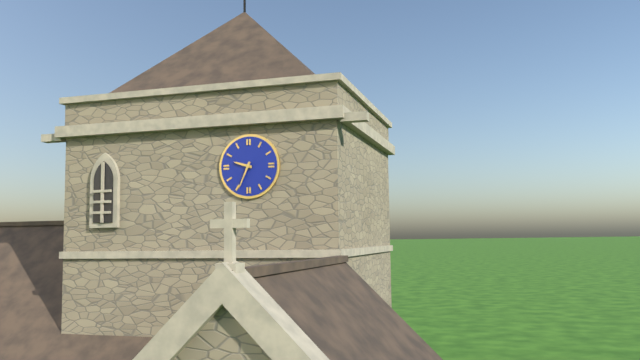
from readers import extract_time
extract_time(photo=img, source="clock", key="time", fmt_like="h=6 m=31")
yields h=9 m=34
